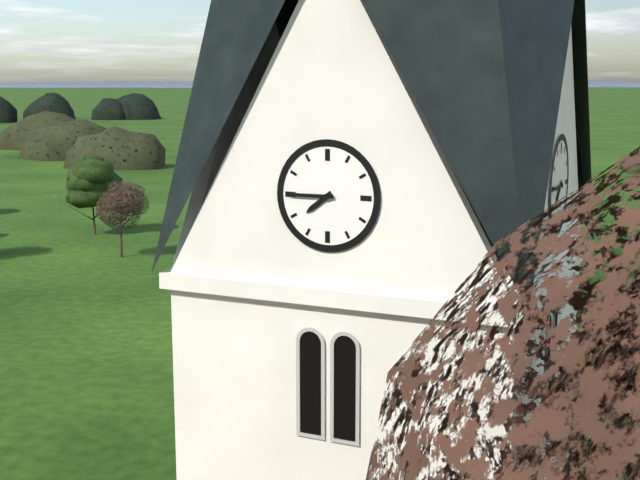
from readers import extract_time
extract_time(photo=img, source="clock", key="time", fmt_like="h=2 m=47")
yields h=7 m=45
